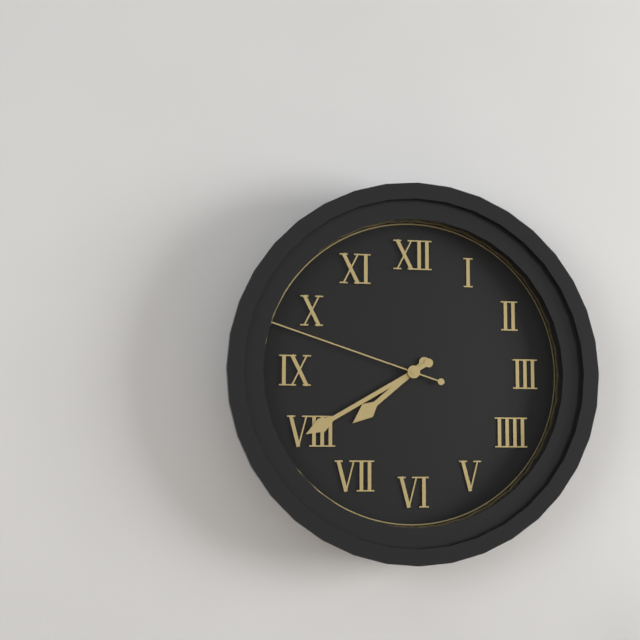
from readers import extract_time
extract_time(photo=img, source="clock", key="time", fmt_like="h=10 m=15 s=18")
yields h=7 m=40 s=48
